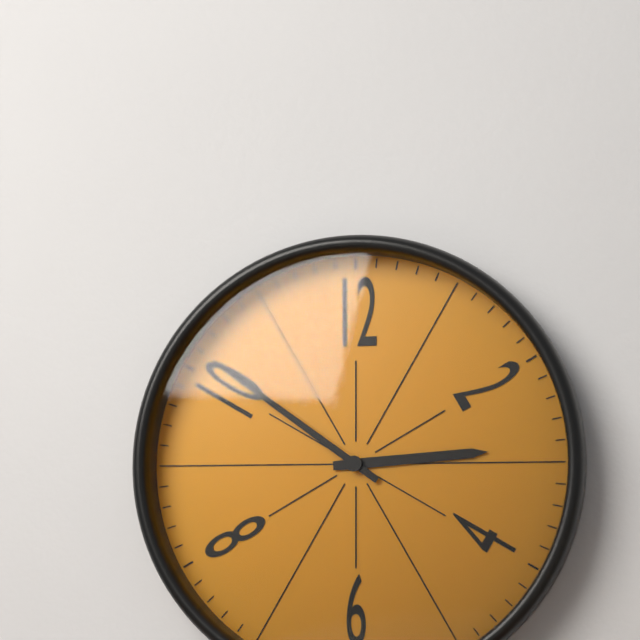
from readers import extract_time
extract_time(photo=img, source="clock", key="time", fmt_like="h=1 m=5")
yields h=2 m=51
